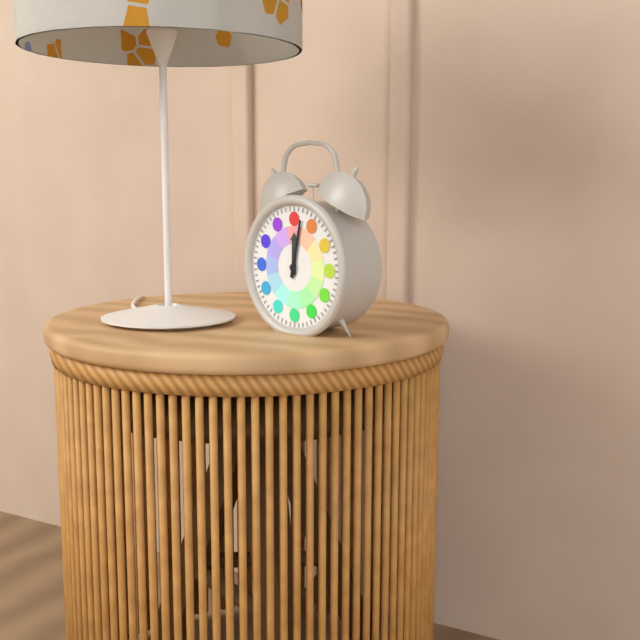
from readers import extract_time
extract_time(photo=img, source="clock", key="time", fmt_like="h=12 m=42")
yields h=12 m=2
